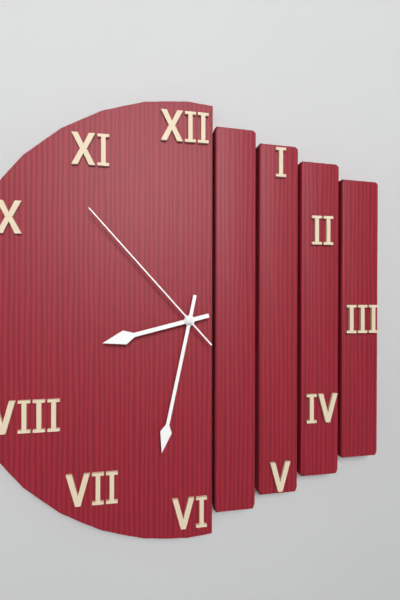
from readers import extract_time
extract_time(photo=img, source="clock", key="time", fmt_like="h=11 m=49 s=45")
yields h=8 m=32 s=53
